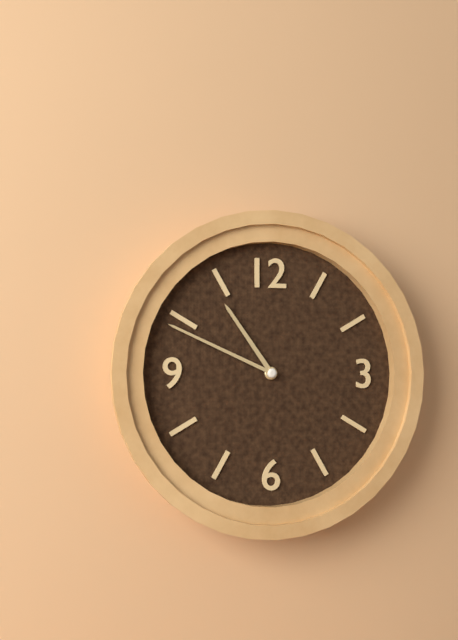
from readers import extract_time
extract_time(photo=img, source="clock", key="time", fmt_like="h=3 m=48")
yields h=10 m=49
